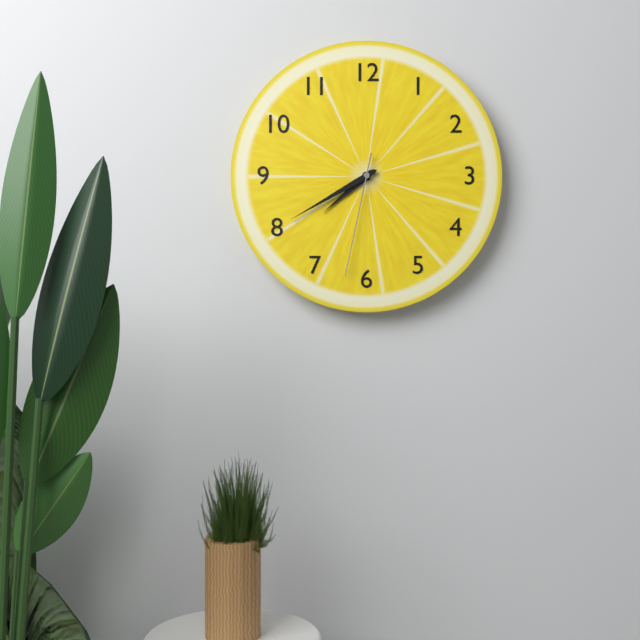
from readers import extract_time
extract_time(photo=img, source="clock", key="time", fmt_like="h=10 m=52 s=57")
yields h=7 m=40 s=32
